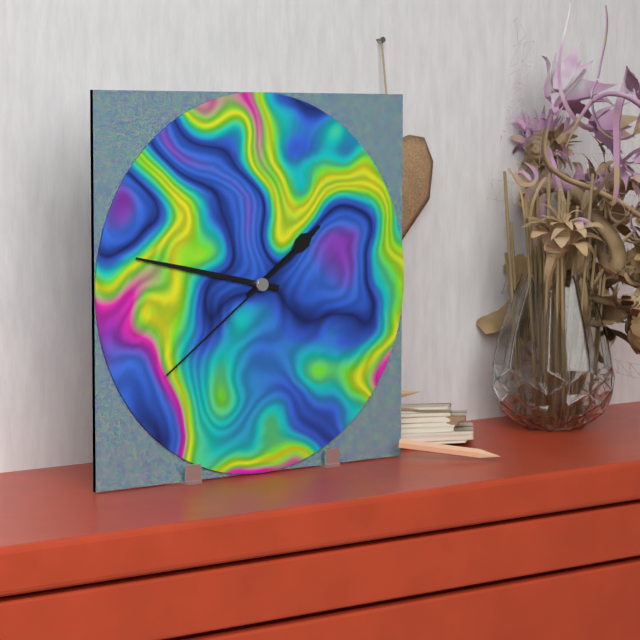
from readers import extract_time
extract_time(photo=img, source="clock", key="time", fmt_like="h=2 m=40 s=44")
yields h=1 m=47 s=39
